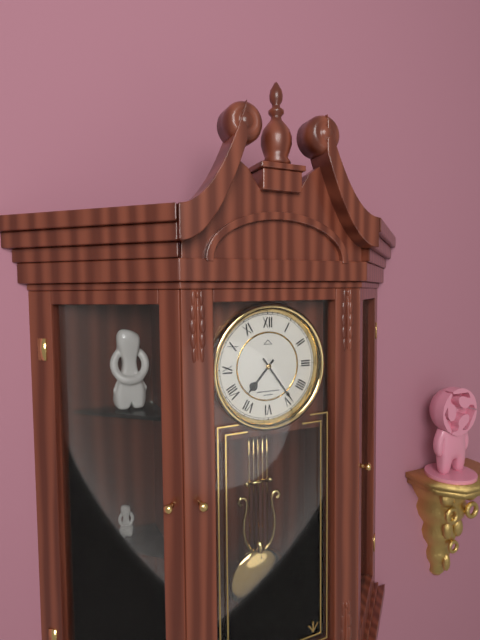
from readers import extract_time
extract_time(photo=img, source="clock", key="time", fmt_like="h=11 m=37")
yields h=7 m=24
